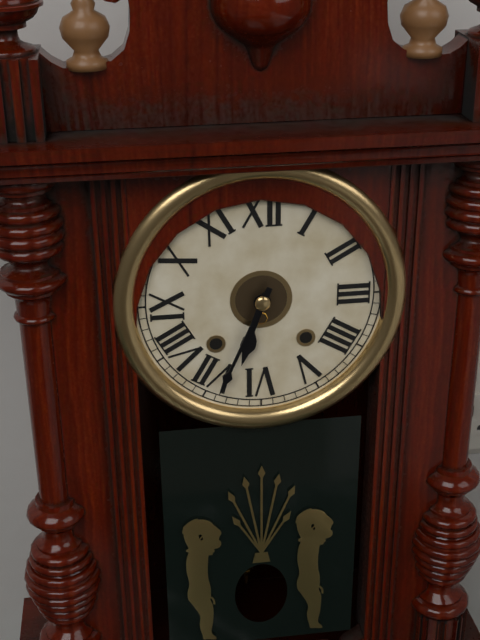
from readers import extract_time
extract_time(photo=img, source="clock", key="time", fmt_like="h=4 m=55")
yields h=6 m=34
